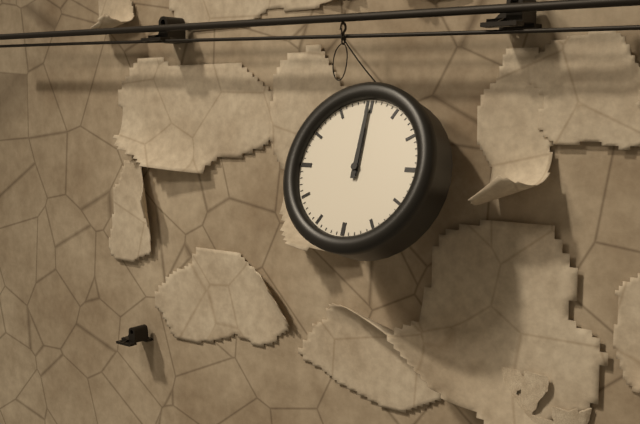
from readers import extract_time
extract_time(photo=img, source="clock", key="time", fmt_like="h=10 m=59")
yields h=12 m=0
